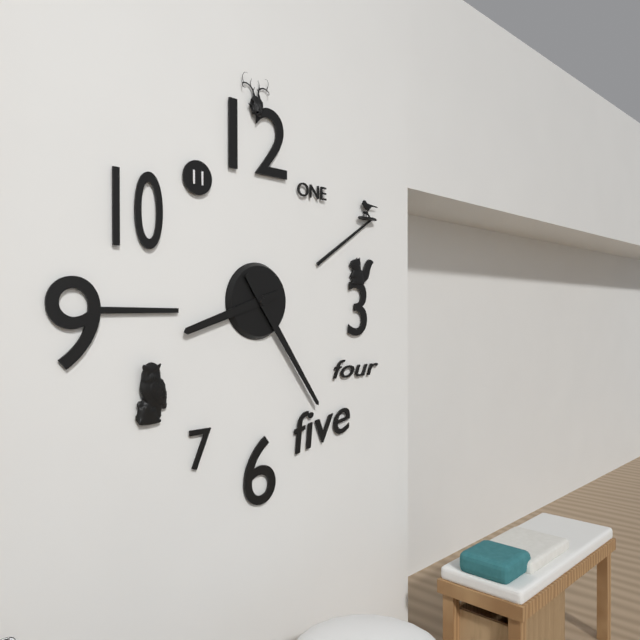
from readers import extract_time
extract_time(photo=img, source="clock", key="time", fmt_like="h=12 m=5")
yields h=8 m=24
